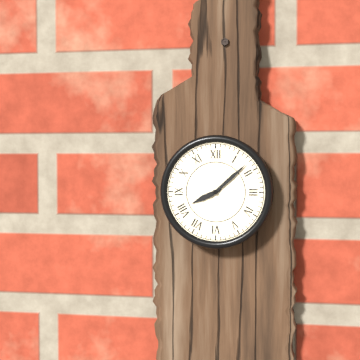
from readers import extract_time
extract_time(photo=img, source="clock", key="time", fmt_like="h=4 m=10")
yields h=8 m=8
